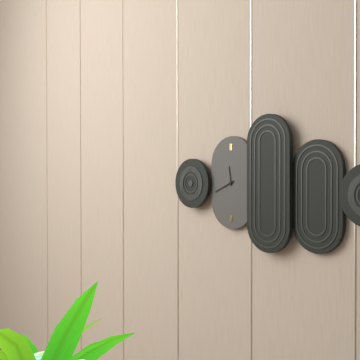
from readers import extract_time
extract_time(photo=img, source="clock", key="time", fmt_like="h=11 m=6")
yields h=11 m=41
